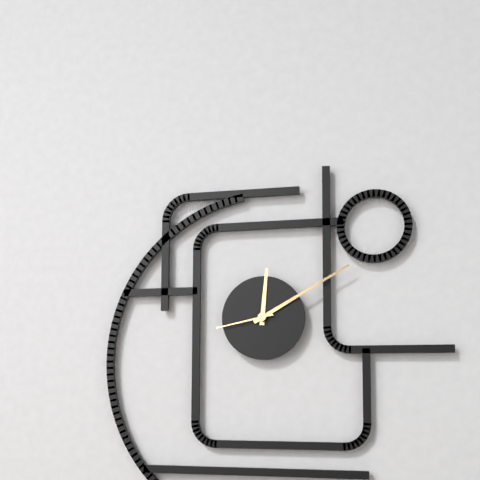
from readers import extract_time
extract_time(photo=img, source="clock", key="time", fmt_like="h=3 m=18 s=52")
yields h=12 m=10 s=43
